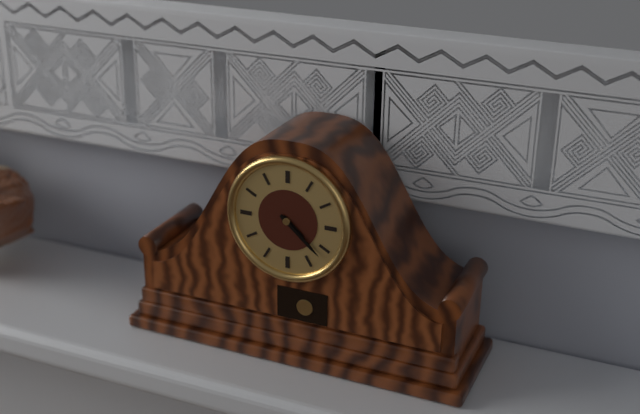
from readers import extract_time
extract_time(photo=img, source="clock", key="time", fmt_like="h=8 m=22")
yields h=4 m=22
